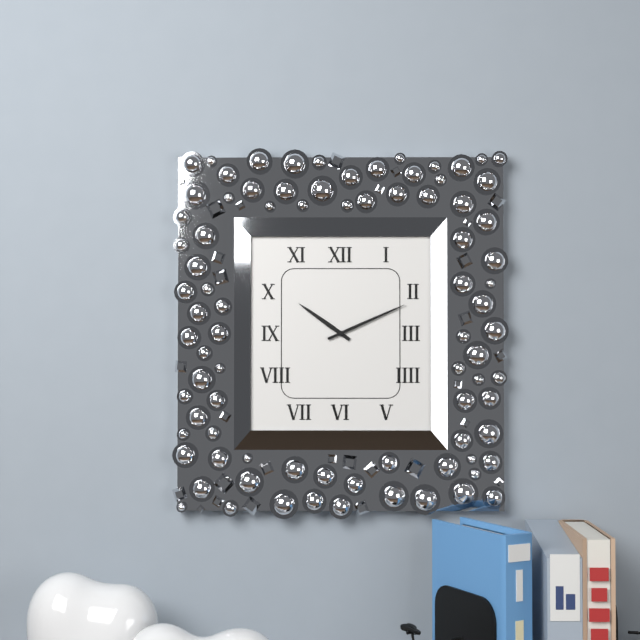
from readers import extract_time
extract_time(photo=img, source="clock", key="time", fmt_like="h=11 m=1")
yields h=10 m=11
